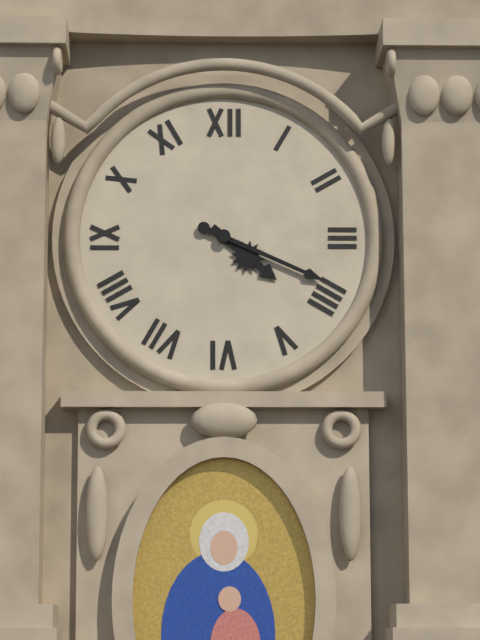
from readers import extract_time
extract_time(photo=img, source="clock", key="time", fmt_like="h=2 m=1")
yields h=4 m=19
